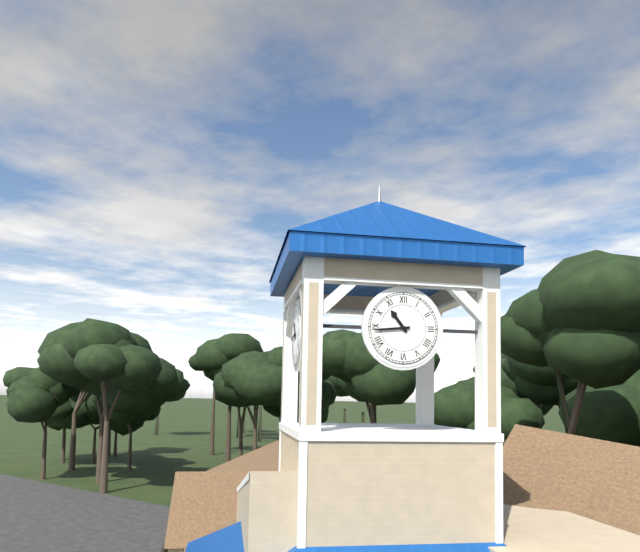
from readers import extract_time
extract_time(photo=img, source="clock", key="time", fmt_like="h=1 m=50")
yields h=10 m=44
